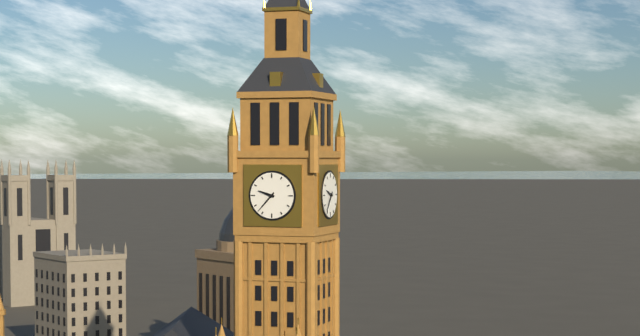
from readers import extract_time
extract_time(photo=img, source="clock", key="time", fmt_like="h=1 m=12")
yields h=9 m=37
